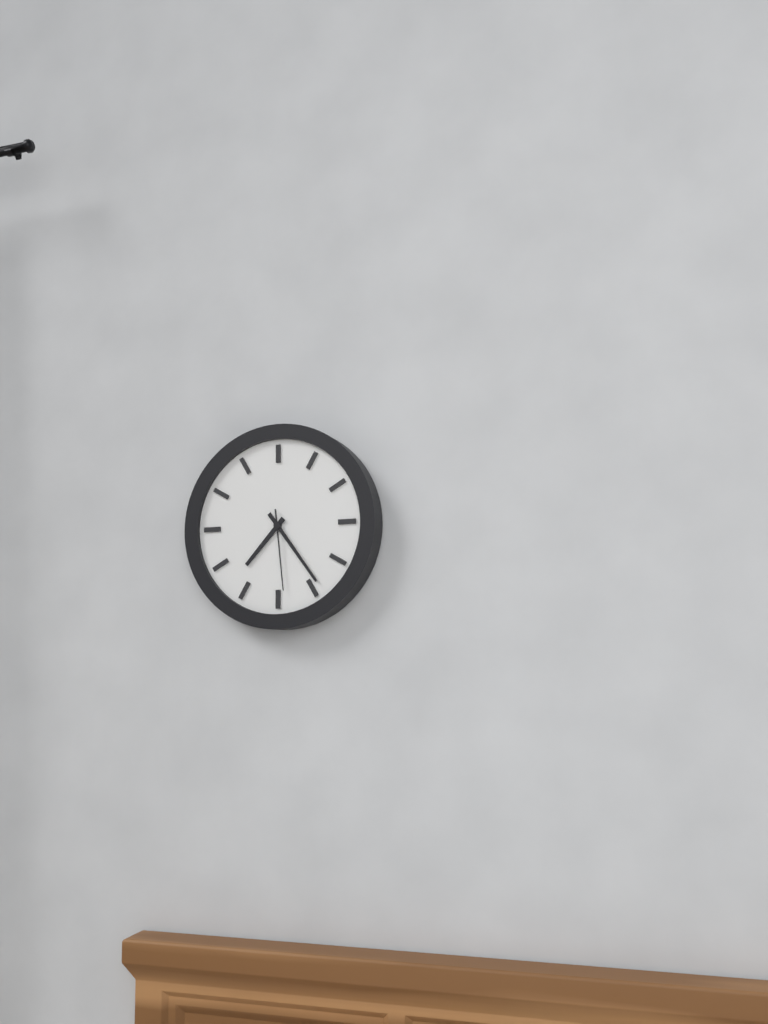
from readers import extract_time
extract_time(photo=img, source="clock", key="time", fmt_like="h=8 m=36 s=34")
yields h=7 m=24 s=29
